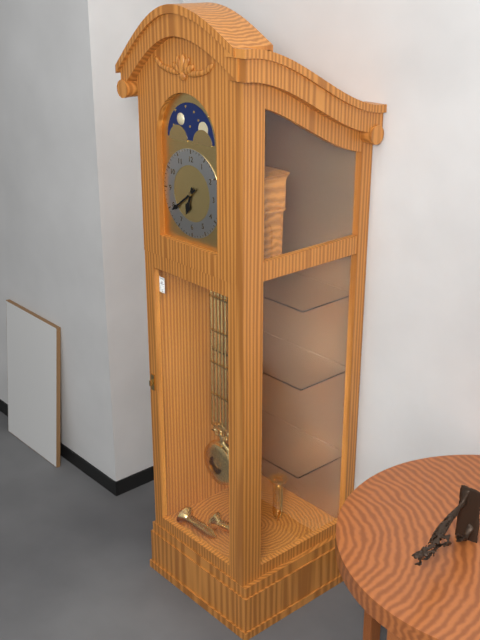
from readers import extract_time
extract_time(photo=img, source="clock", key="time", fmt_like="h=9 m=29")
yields h=6 m=39
